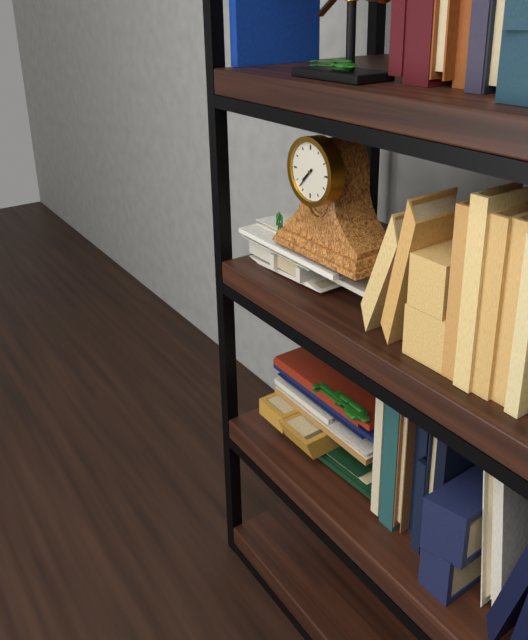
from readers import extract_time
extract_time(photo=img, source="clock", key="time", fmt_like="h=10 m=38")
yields h=7 m=37
